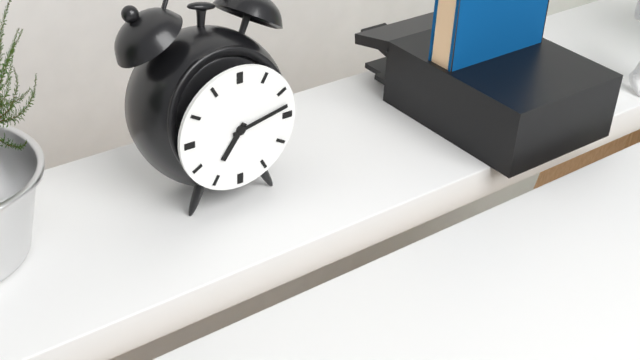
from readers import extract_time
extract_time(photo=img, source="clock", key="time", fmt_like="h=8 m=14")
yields h=7 m=13
